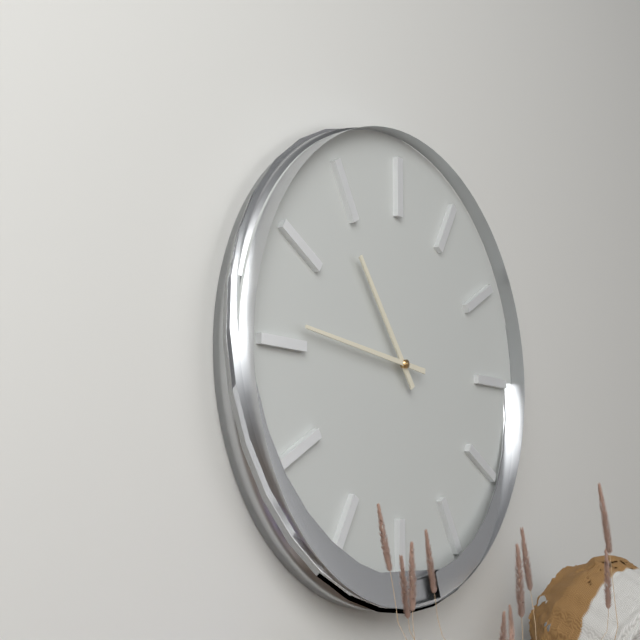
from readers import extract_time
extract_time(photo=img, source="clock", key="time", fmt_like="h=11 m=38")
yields h=10 m=46
